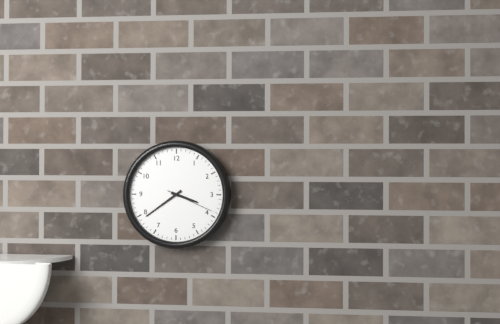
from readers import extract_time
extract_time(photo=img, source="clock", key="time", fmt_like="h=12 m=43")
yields h=3 m=39
